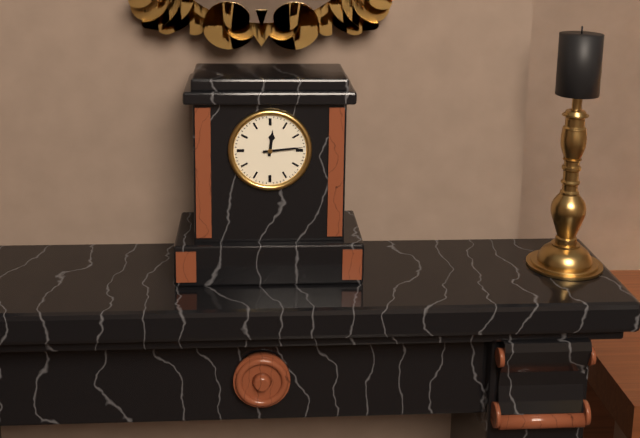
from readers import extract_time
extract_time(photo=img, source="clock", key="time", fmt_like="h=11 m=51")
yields h=12 m=14
